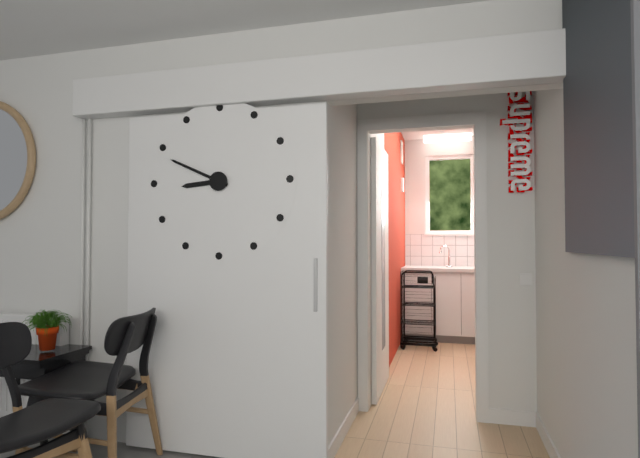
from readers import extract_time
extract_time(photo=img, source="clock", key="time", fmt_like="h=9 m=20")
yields h=8 m=49
